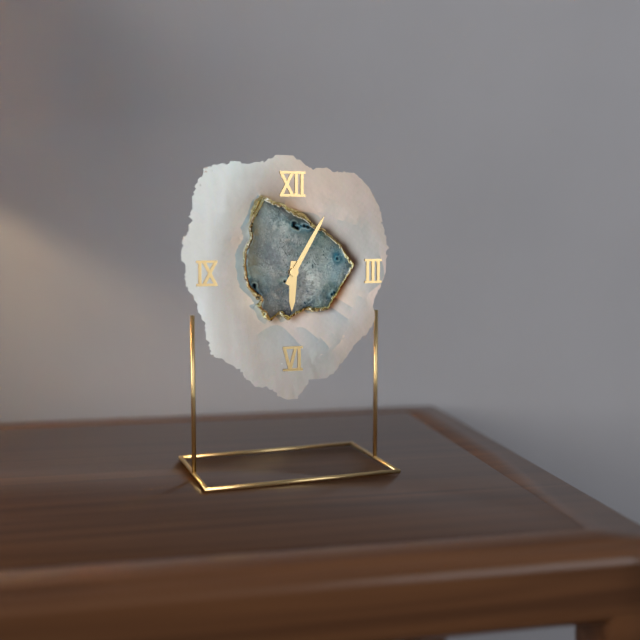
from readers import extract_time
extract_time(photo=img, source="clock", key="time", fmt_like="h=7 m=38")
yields h=6 m=5
